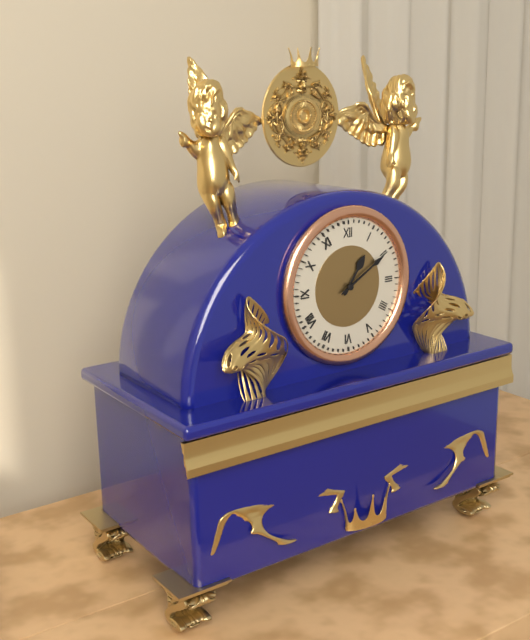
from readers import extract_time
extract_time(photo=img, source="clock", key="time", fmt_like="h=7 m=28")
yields h=1 m=10
